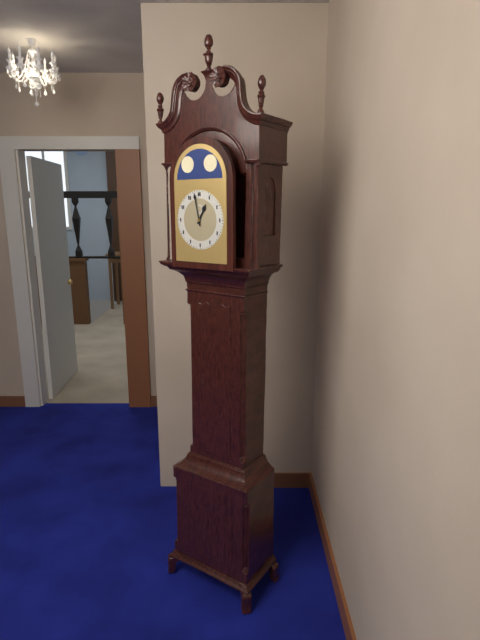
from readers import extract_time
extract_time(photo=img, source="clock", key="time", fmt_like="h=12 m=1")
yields h=12 m=58
